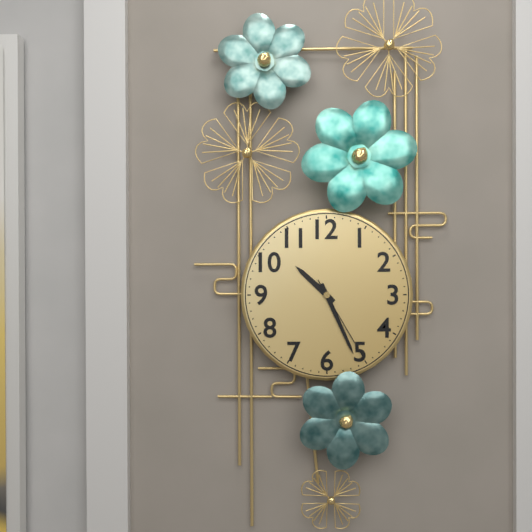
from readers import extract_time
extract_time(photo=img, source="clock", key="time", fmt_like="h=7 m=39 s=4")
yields h=10 m=26 s=25
